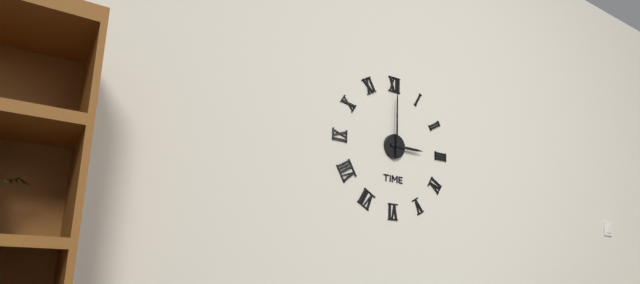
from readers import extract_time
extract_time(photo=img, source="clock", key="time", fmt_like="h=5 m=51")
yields h=3 m=0
